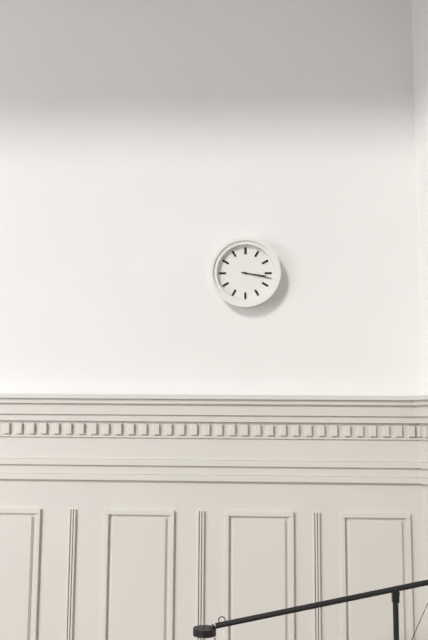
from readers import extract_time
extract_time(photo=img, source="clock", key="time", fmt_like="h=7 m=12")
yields h=3 m=17
